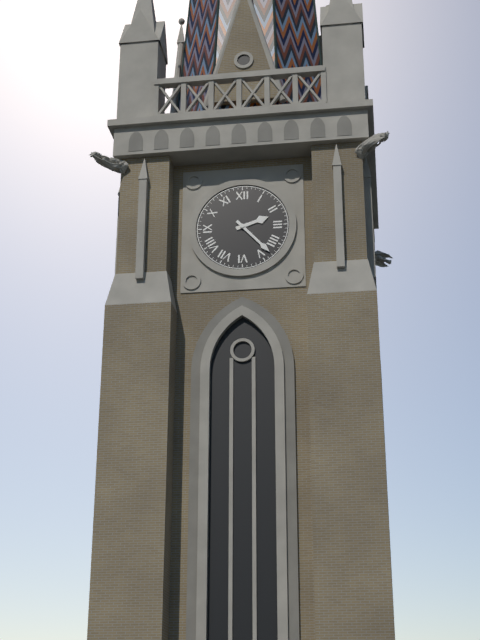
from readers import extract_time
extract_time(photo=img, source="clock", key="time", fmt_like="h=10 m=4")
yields h=2 m=23
